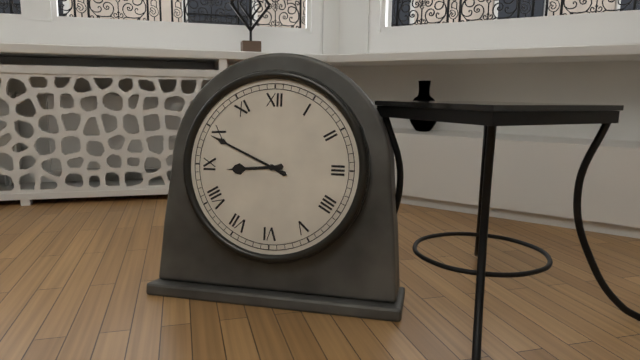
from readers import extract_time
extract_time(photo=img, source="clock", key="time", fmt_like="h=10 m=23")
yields h=8 m=49
